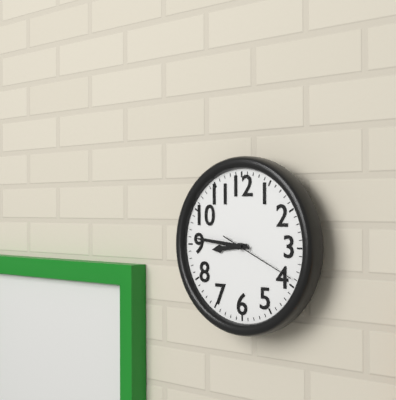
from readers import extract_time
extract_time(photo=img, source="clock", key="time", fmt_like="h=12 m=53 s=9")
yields h=8 m=46 s=19
